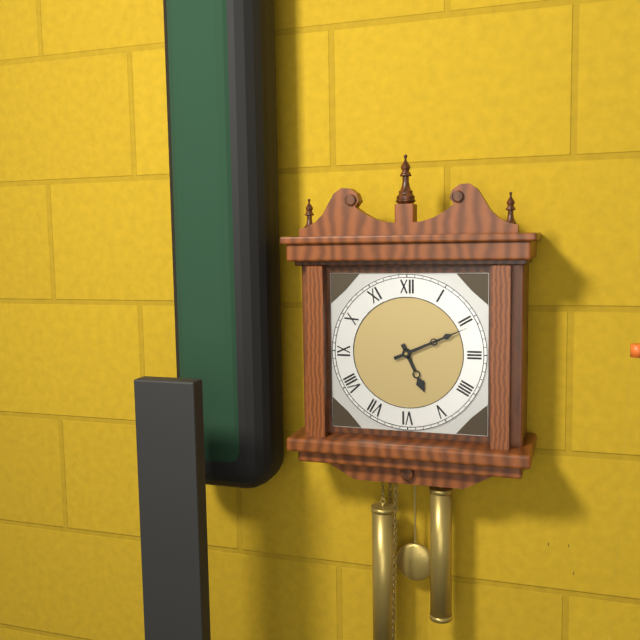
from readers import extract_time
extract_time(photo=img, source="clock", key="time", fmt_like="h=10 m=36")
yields h=5 m=11
